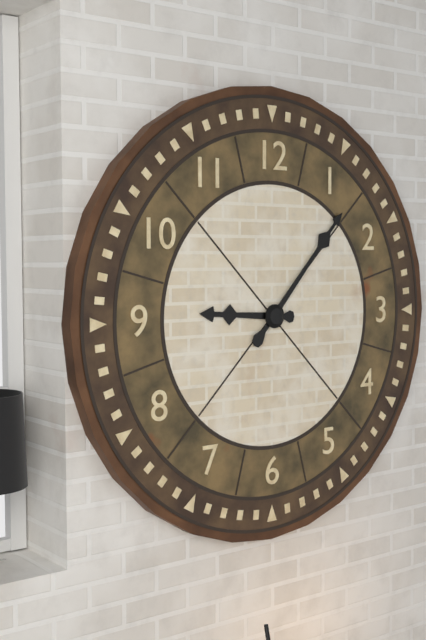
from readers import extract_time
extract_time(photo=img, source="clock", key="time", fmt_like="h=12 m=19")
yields h=9 m=7
